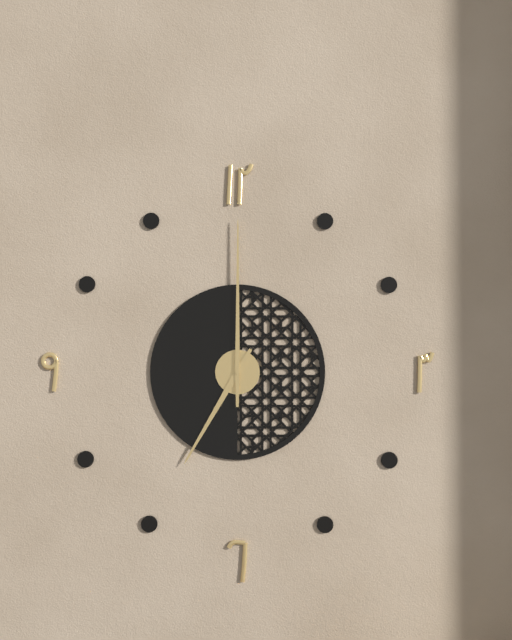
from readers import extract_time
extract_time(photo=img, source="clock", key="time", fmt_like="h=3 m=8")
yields h=7 m=0
